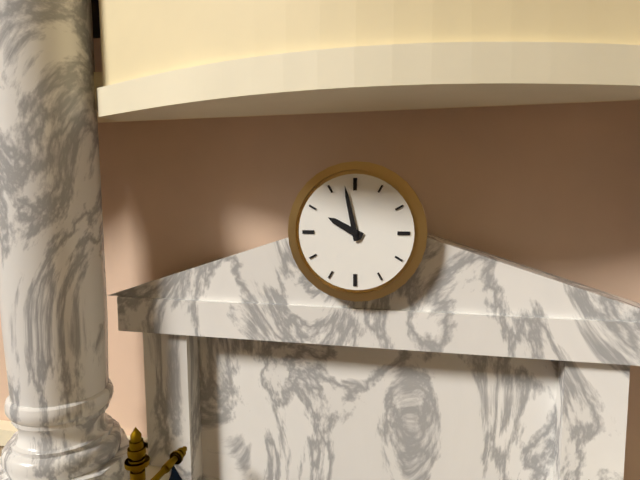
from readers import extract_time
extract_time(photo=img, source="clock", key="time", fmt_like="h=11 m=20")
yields h=9 m=58
